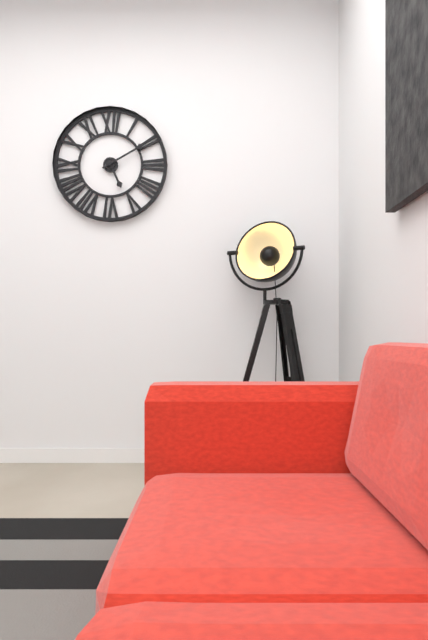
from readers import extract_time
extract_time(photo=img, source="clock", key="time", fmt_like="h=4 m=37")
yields h=5 m=10
